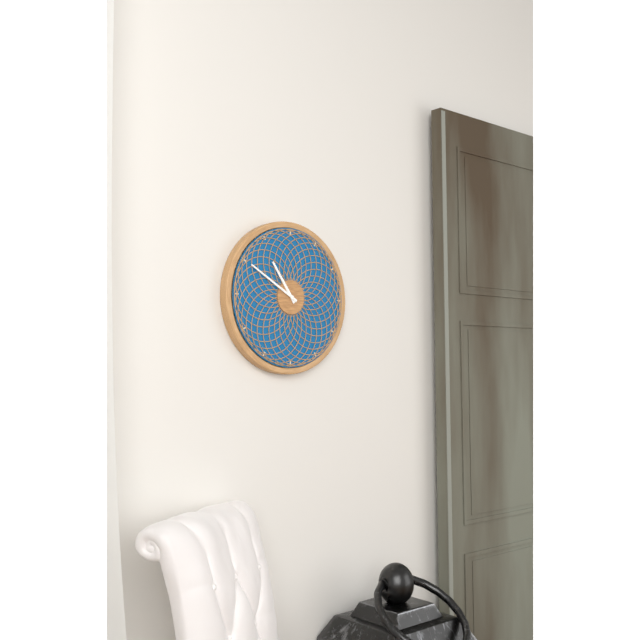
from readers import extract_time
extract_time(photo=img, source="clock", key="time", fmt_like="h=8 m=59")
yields h=10 m=50
